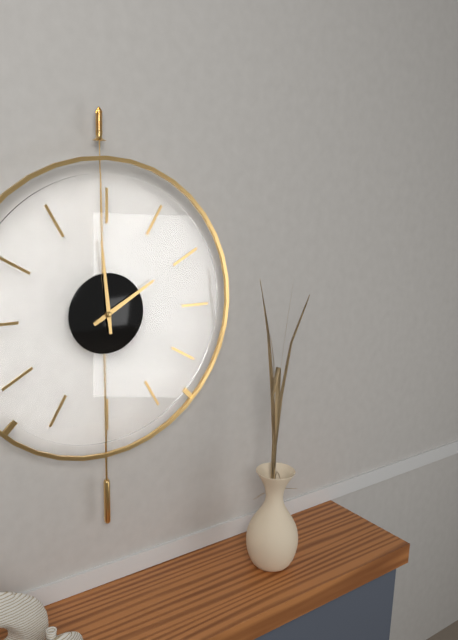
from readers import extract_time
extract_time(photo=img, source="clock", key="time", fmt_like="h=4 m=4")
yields h=1 m=59
